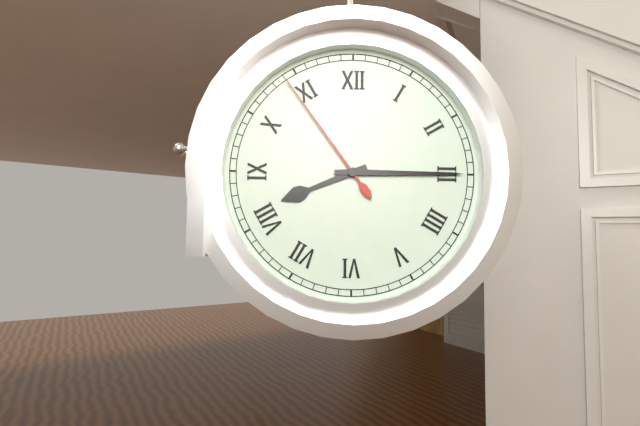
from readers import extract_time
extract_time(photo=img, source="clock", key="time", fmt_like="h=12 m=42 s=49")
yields h=8 m=15 s=54
